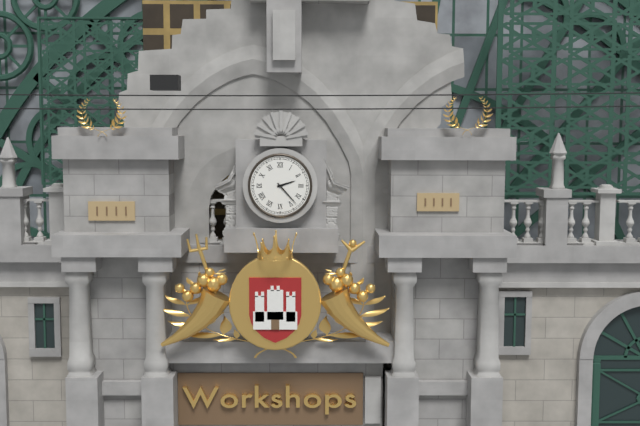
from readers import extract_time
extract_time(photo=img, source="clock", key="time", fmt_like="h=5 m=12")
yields h=2 m=23
